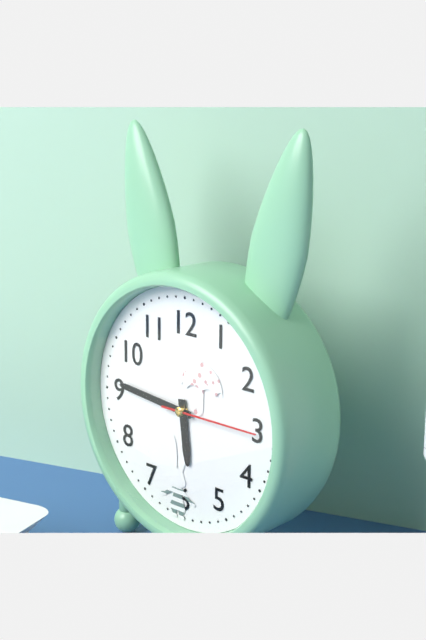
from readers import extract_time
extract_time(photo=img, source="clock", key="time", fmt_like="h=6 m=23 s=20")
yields h=5 m=46 s=15
